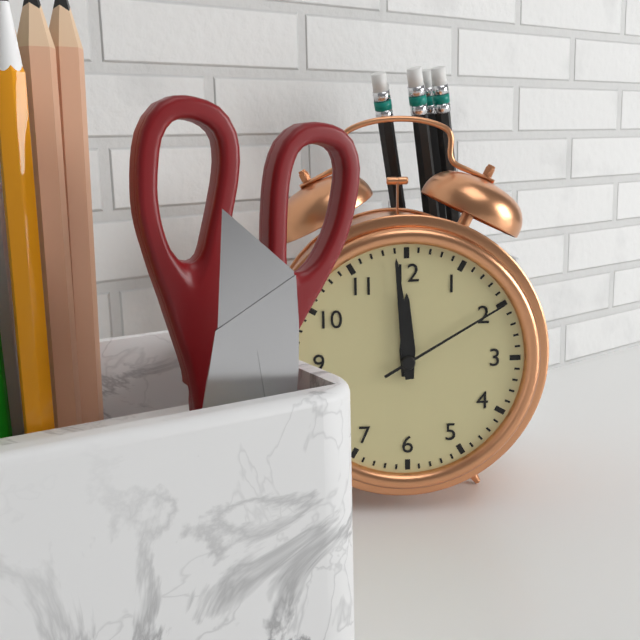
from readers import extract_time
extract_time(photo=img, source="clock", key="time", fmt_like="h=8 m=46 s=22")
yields h=11 m=59 s=10
